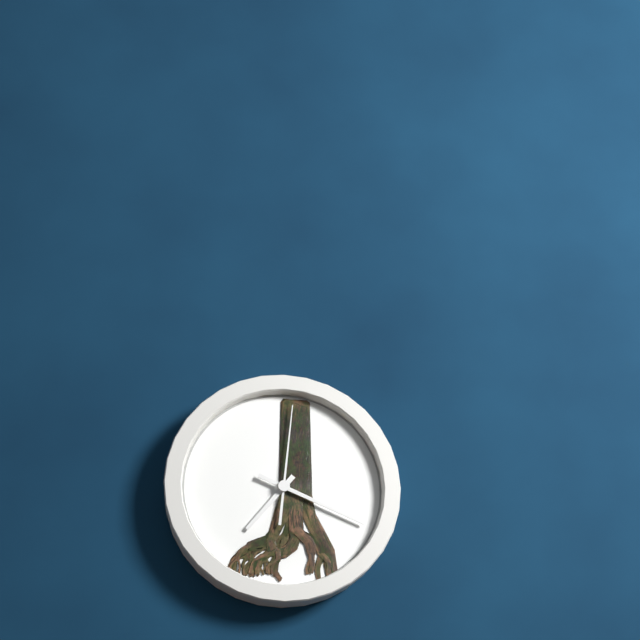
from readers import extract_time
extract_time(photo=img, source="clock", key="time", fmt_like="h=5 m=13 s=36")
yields h=7 m=19 s=1
